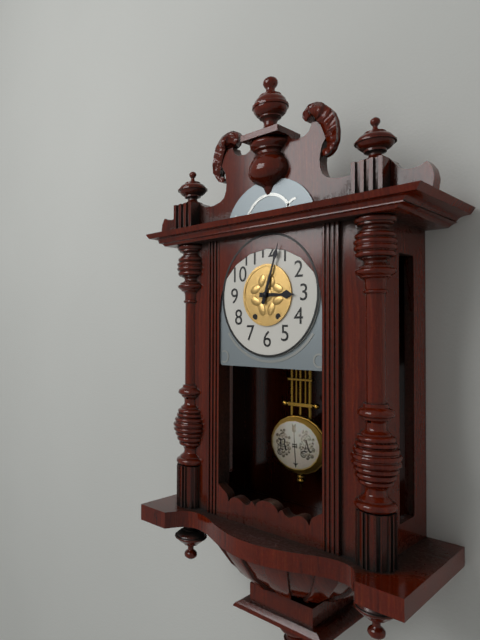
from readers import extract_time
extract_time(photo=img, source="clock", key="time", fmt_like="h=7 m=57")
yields h=3 m=3
